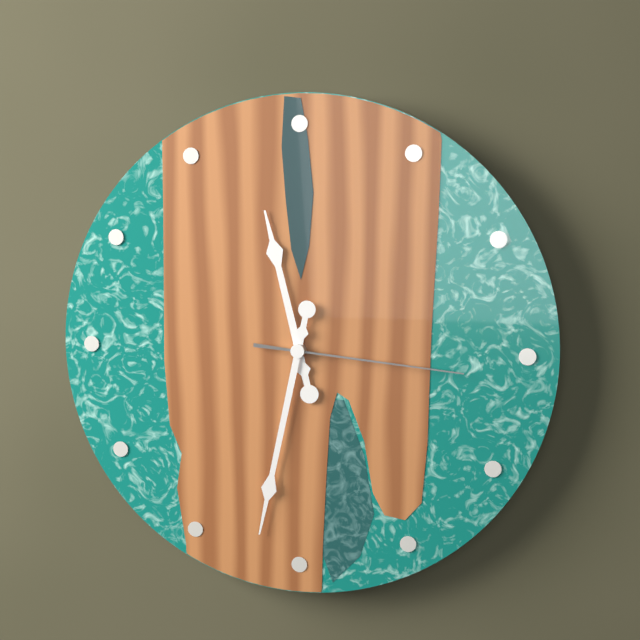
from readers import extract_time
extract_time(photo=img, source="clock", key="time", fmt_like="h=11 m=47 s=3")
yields h=11 m=32 s=16
